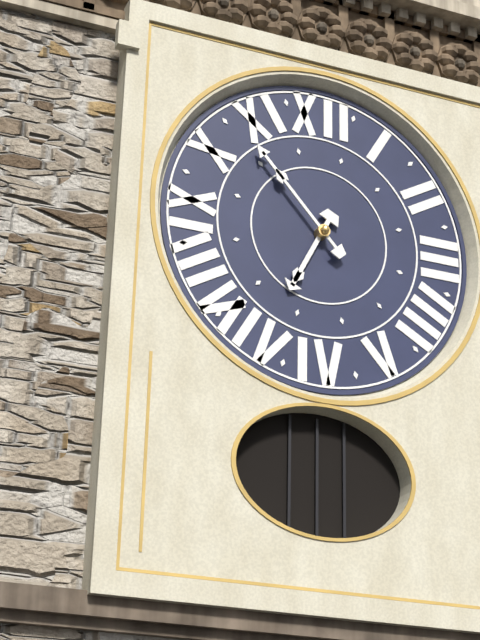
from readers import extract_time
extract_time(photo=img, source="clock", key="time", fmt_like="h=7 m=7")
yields h=6 m=53
